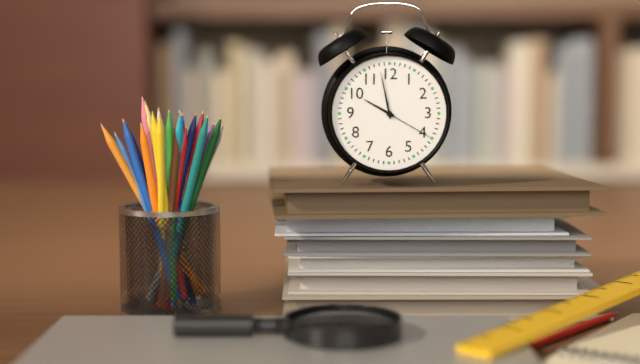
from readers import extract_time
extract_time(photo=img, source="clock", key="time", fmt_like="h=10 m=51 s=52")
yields h=9 m=58 s=20
